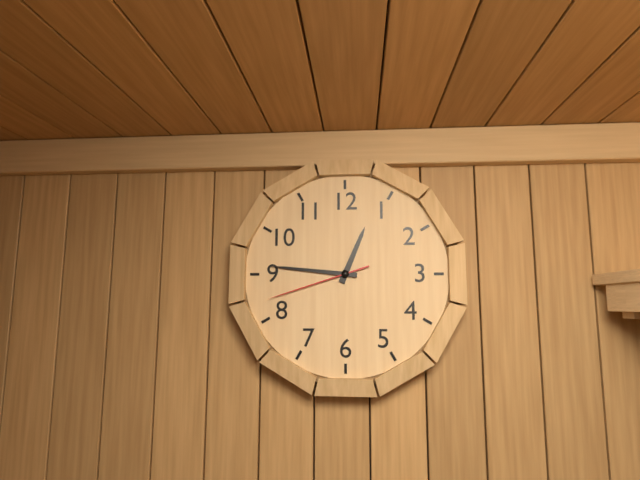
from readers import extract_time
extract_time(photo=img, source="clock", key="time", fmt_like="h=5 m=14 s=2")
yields h=12 m=46 s=42
